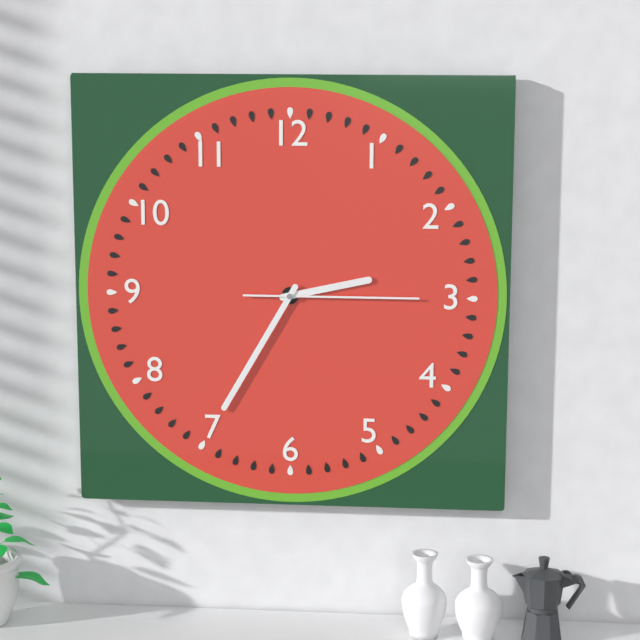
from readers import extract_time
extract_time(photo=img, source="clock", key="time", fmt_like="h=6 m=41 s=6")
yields h=2 m=35 s=15
